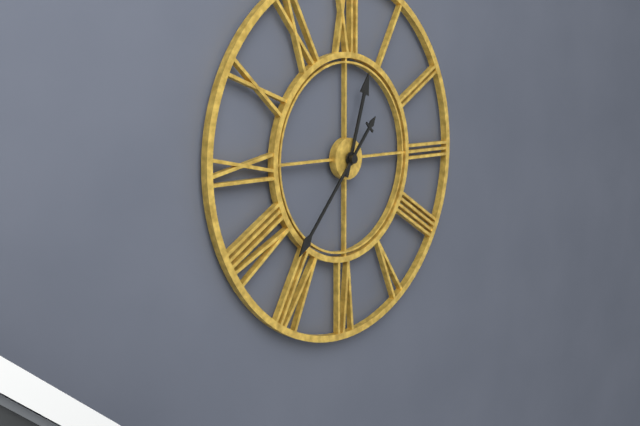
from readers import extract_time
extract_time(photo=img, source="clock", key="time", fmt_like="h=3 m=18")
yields h=12 m=37
